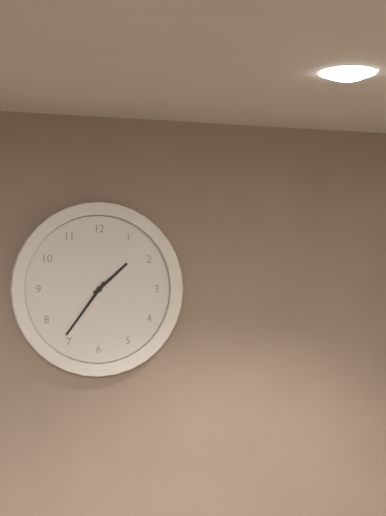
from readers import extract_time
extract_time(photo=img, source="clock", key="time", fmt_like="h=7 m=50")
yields h=1 m=36
